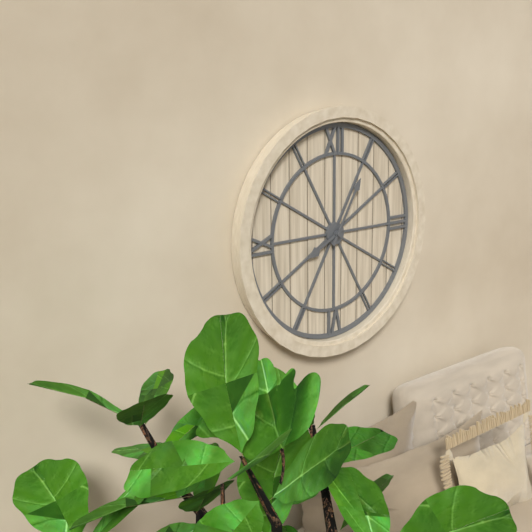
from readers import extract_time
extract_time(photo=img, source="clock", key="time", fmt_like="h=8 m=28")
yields h=8 m=5
